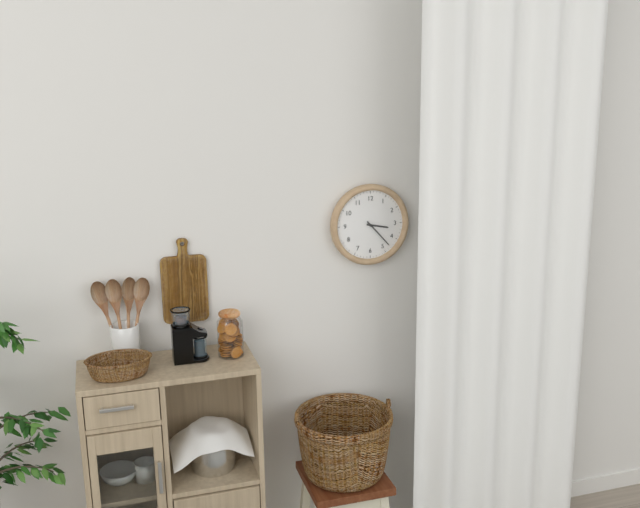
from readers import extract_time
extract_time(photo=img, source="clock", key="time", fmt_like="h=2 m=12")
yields h=3 m=23
